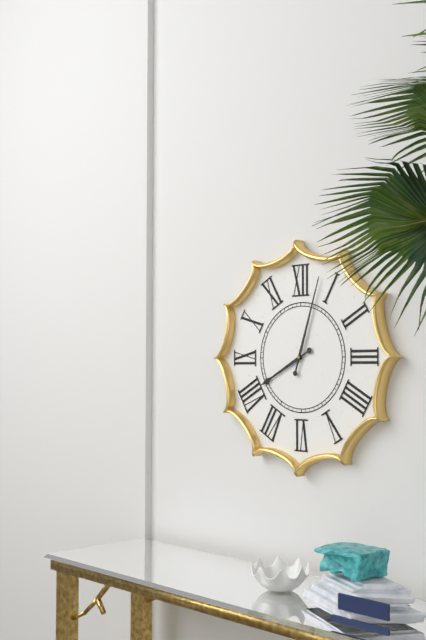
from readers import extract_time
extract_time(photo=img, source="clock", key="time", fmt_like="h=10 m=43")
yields h=8 m=3
